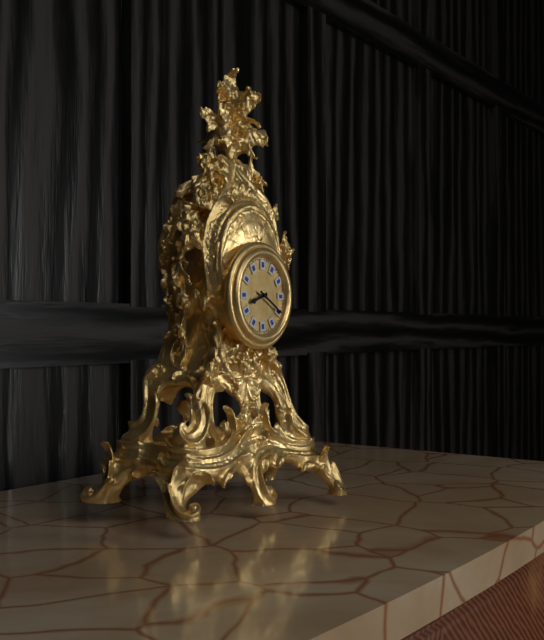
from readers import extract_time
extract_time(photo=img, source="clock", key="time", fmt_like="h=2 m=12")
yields h=8 m=20
